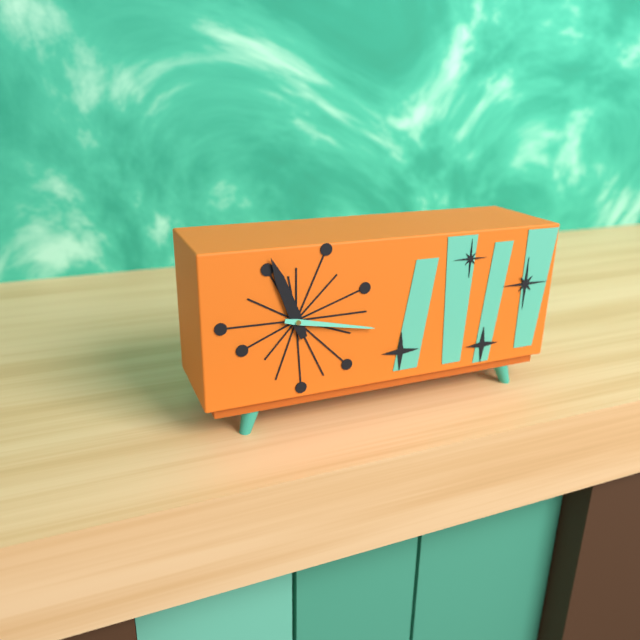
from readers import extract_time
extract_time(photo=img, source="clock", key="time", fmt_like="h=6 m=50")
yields h=11 m=17
